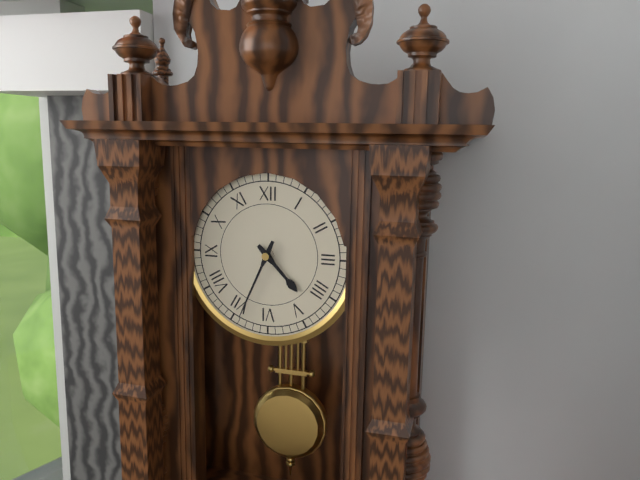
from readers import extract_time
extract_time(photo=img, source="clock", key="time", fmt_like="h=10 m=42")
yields h=4 m=34
